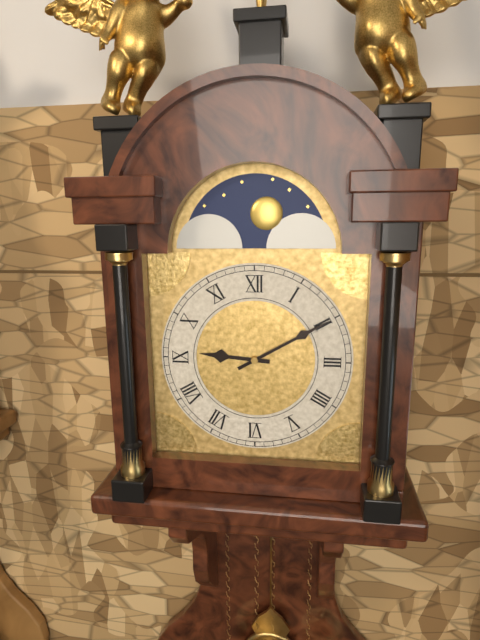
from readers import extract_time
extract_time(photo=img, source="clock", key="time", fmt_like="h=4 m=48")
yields h=9 m=10
